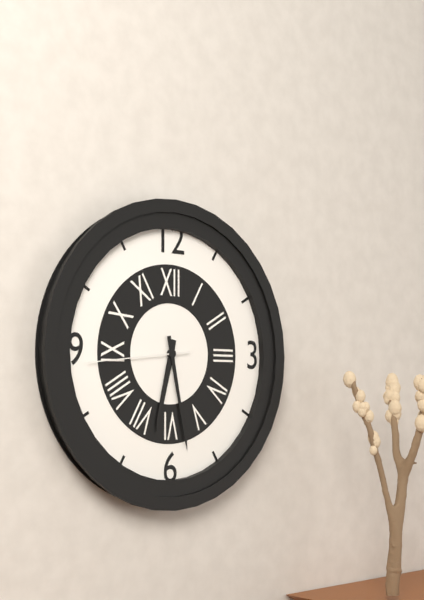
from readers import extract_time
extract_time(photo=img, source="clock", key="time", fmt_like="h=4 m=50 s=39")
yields h=6 m=28 s=44
